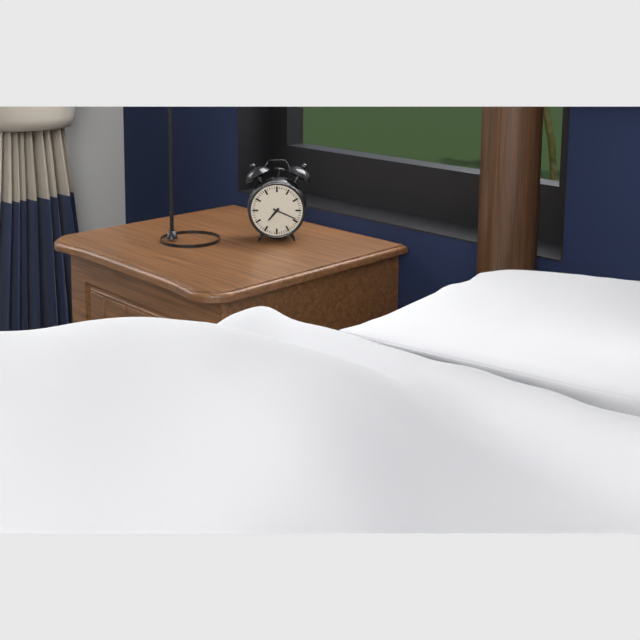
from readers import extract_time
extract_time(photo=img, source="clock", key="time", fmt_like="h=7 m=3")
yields h=7 m=19
